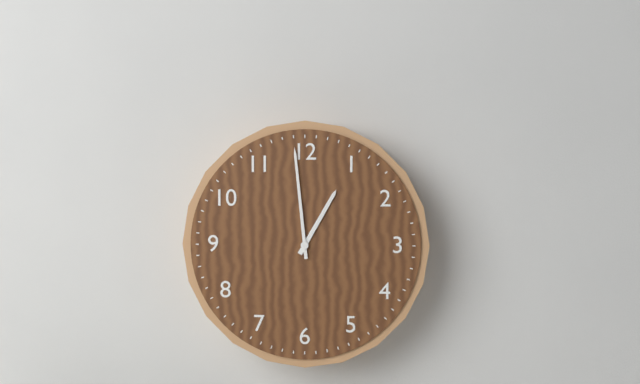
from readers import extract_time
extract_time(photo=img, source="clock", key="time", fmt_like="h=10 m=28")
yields h=12 m=59
